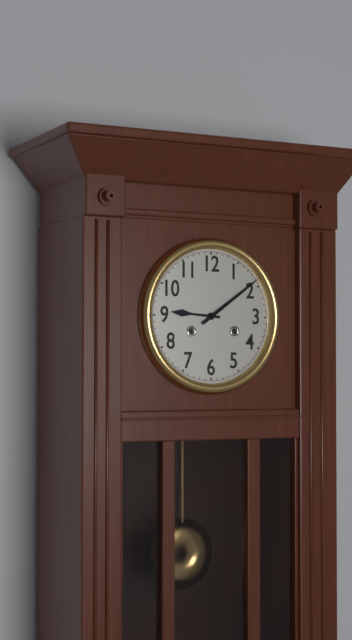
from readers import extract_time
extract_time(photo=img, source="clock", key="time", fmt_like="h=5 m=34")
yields h=9 m=9
